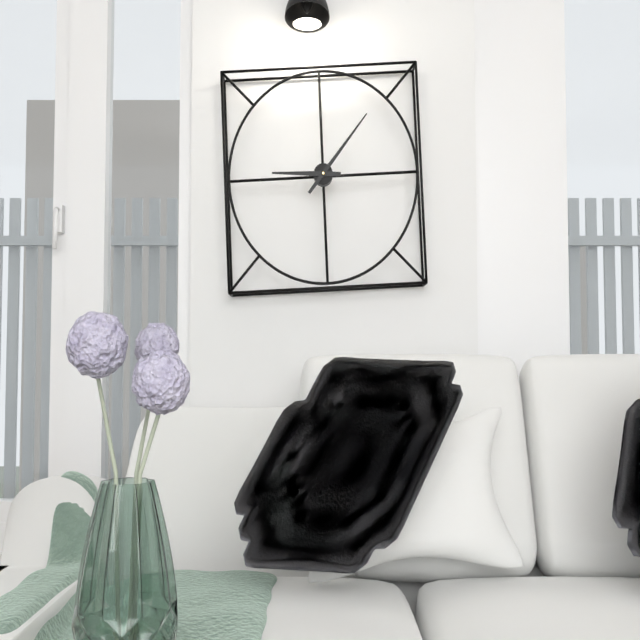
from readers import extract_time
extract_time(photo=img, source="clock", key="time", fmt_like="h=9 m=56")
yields h=9 m=7
